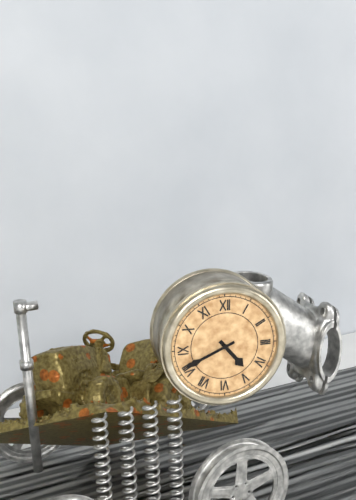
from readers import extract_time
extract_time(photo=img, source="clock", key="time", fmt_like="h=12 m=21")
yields h=4 m=41
